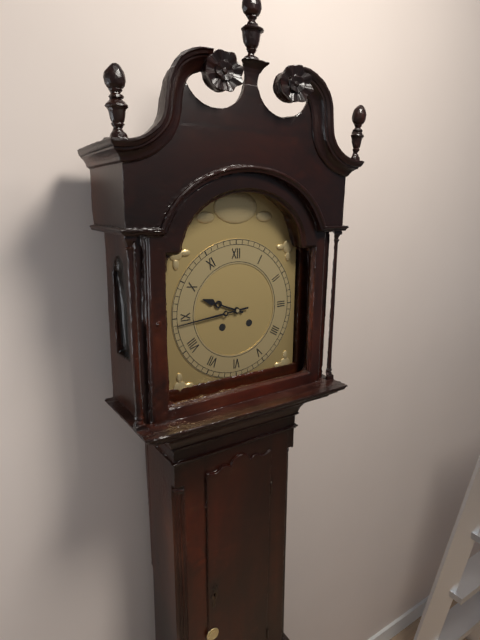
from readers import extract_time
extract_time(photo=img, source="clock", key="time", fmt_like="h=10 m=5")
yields h=9 m=44
